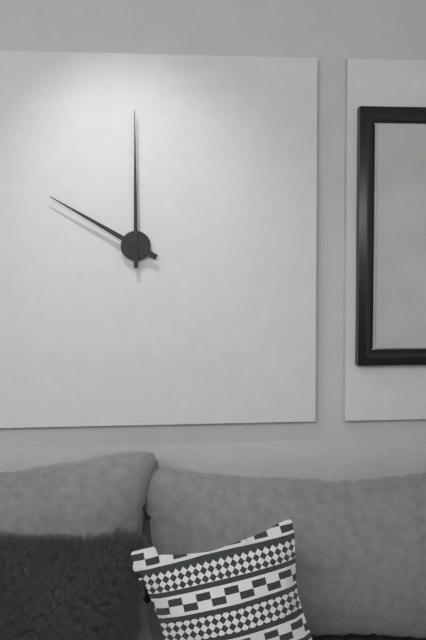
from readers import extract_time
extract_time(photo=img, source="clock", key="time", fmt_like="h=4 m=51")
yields h=10 m=0
